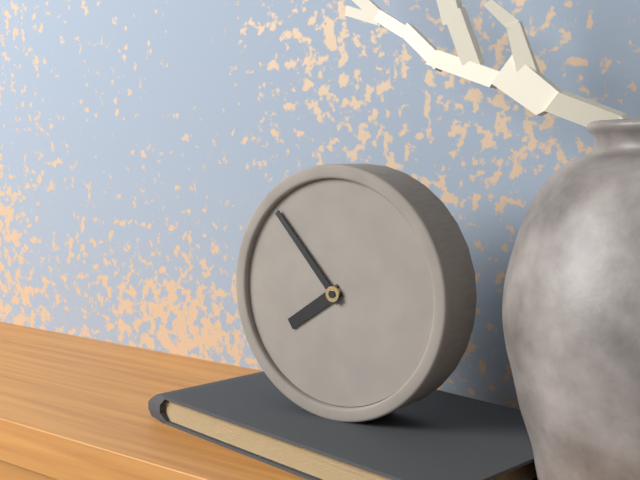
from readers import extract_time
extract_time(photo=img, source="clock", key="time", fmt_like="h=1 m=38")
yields h=7 m=53
